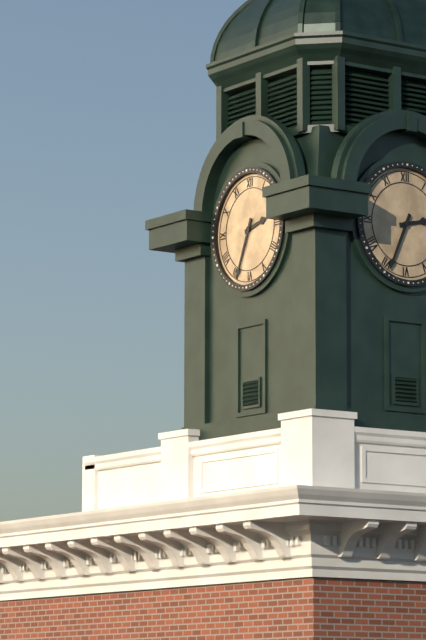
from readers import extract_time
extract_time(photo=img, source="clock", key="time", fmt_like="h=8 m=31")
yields h=2 m=34
